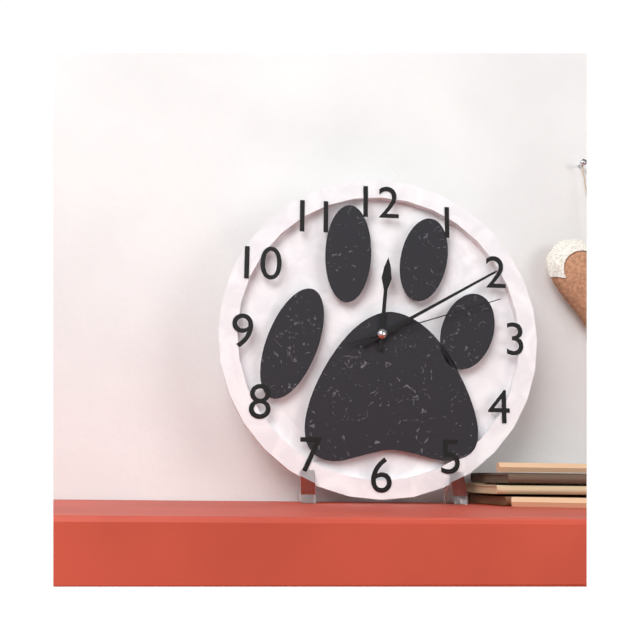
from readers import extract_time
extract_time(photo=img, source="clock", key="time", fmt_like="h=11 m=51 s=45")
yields h=12 m=10 s=12
